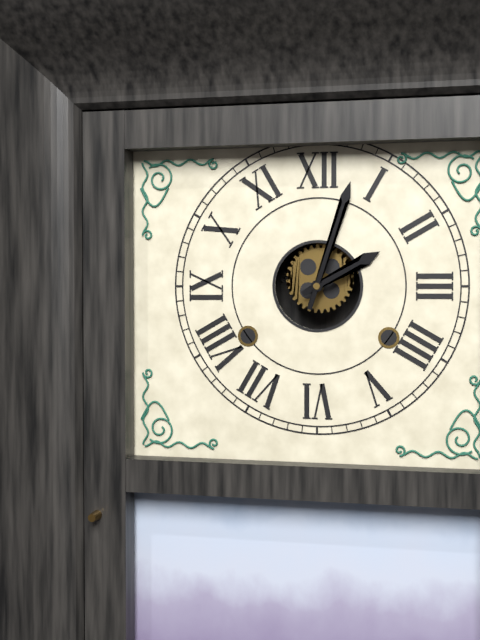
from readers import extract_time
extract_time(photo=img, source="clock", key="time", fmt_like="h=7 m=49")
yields h=2 m=3
